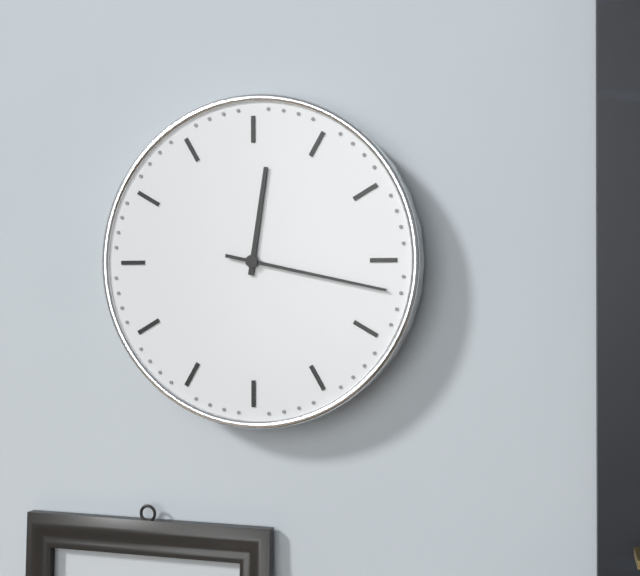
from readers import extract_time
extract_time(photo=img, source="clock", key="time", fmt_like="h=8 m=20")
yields h=12 m=17
